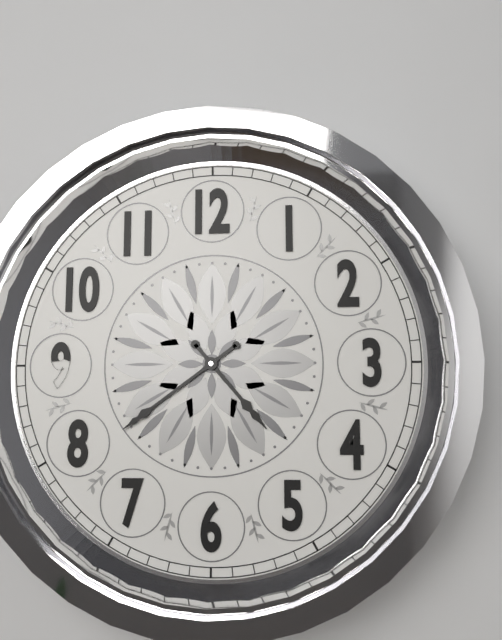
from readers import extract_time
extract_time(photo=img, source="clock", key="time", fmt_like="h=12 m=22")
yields h=4 m=39
